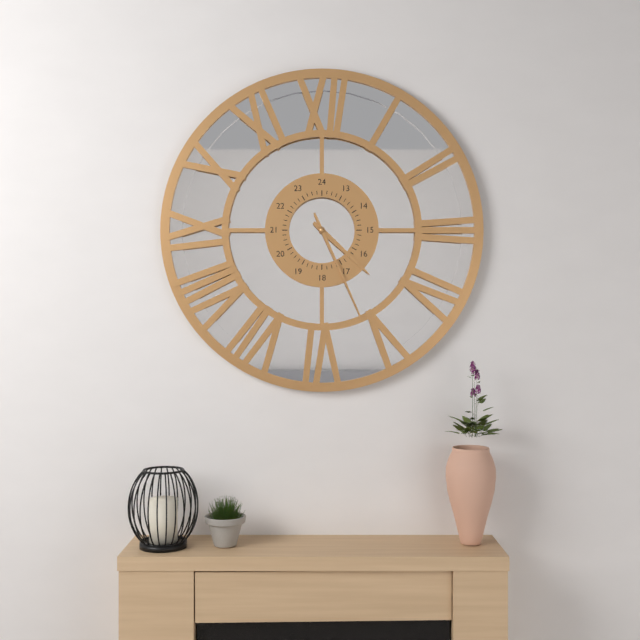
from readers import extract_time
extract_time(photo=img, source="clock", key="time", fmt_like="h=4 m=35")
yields h=4 m=26
